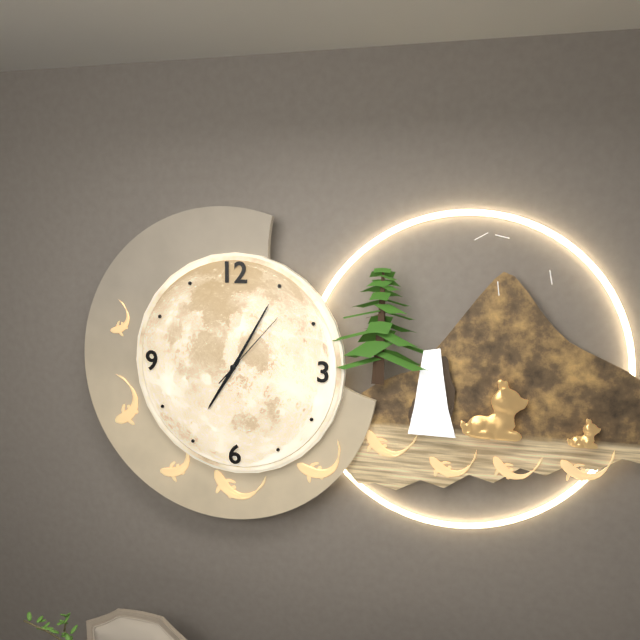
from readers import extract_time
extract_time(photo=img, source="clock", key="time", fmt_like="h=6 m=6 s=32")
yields h=7 m=5 s=7
